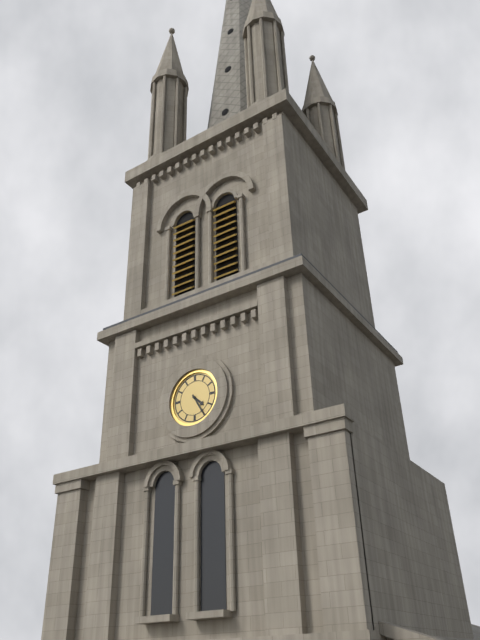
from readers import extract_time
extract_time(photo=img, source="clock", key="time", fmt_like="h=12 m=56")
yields h=4 m=25
